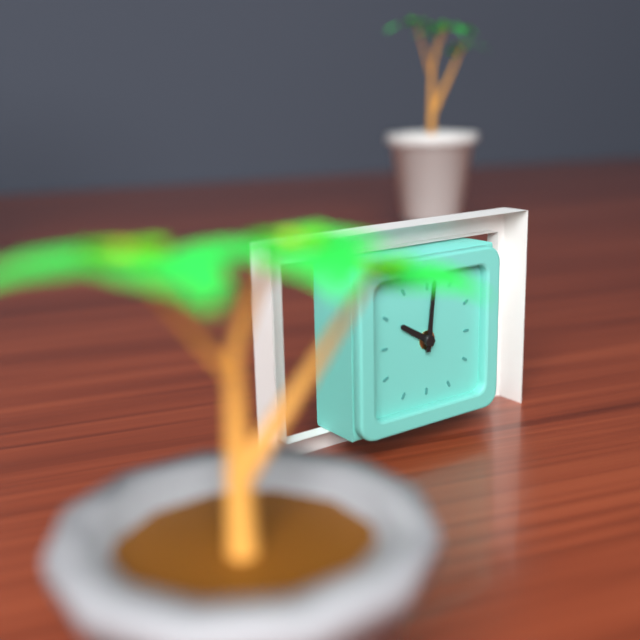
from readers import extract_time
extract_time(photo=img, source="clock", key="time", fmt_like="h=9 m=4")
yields h=10 m=1
